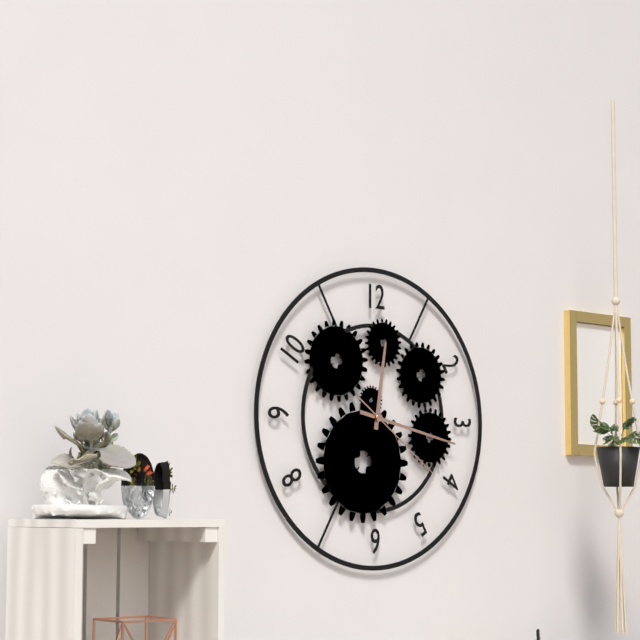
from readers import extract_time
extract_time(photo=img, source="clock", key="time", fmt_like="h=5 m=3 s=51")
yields h=12 m=17 s=21
